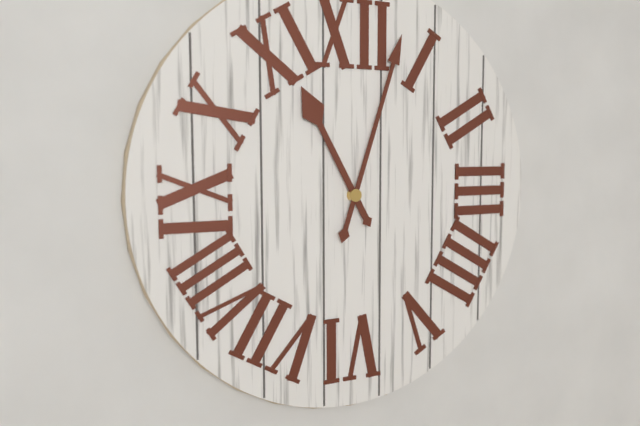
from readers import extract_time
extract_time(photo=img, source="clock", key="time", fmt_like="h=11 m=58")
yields h=11 m=3
